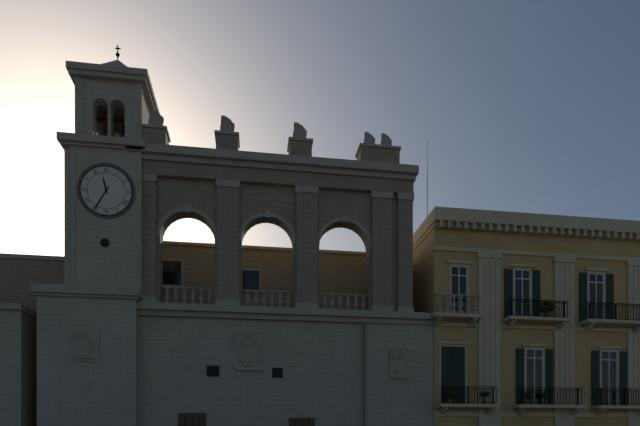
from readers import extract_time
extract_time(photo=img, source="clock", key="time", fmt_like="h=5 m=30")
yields h=11 m=35
